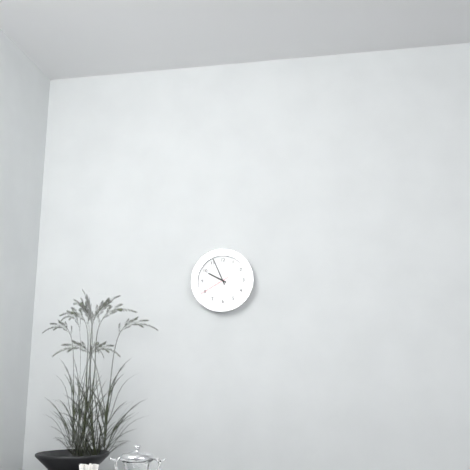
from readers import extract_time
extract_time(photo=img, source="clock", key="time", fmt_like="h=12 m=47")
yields h=9 m=56
